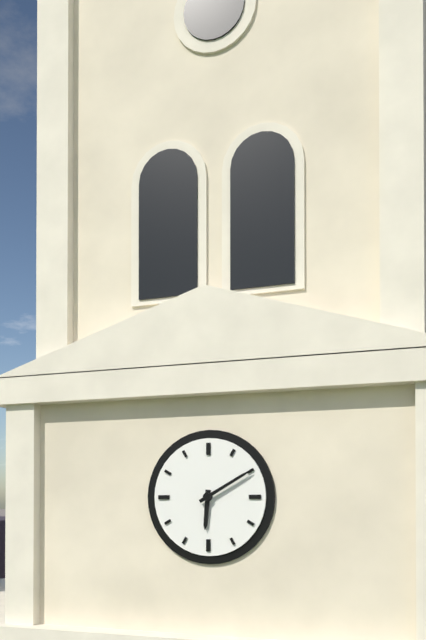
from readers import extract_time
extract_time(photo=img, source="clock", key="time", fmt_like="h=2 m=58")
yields h=6 m=10
